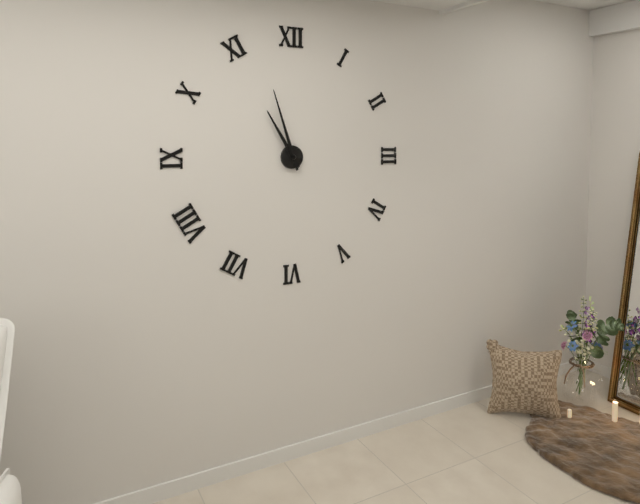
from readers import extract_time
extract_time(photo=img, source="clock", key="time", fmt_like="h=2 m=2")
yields h=10 m=57
